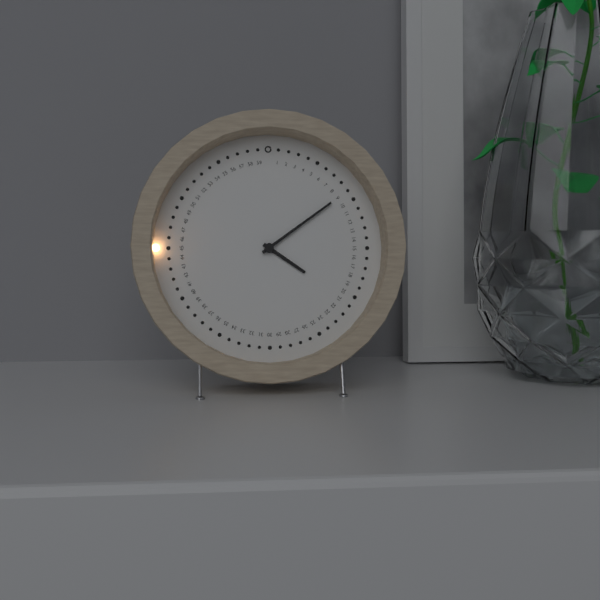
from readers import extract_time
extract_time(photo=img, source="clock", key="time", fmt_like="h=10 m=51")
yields h=4 m=9
